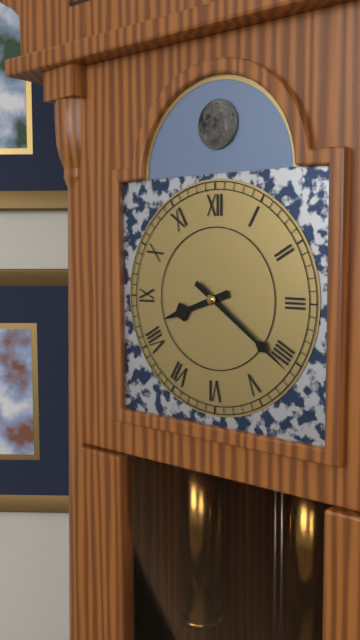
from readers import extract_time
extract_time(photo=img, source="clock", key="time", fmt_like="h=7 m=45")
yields h=8 m=21
